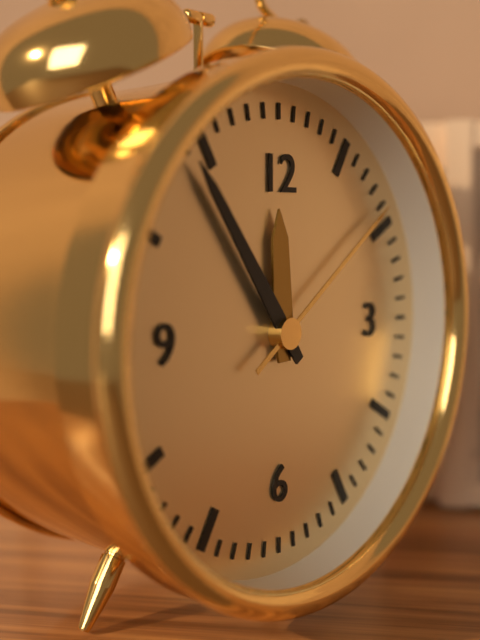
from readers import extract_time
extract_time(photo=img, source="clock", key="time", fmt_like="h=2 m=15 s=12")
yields h=11 m=54 s=9
